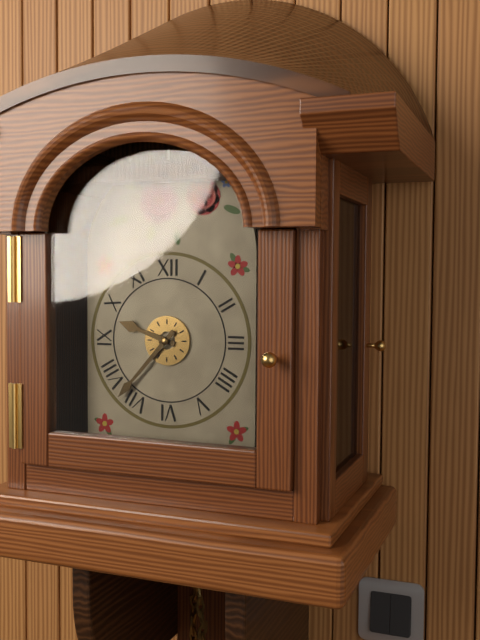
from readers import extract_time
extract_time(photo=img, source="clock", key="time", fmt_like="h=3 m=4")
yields h=9 m=37
